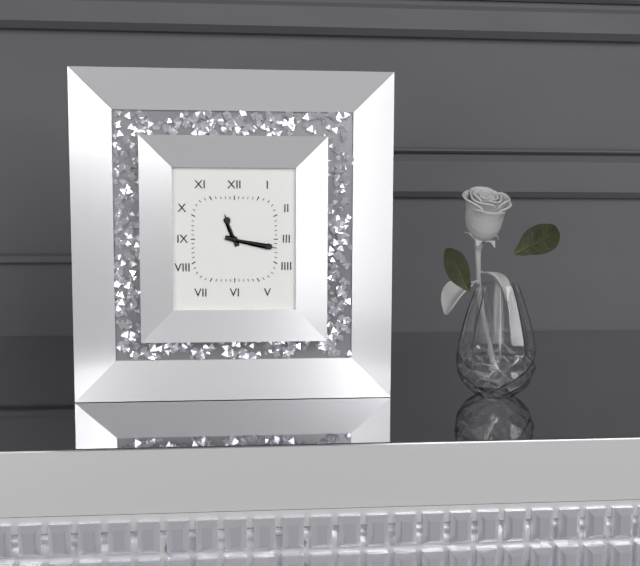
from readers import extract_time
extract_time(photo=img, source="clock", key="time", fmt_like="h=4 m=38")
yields h=11 m=17
